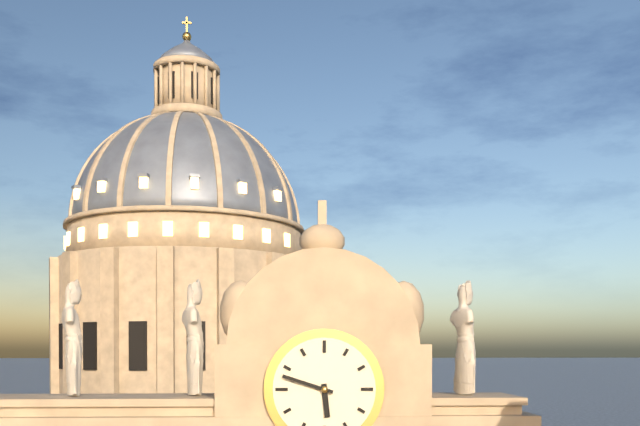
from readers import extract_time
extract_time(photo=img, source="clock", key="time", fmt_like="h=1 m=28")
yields h=5 m=48
